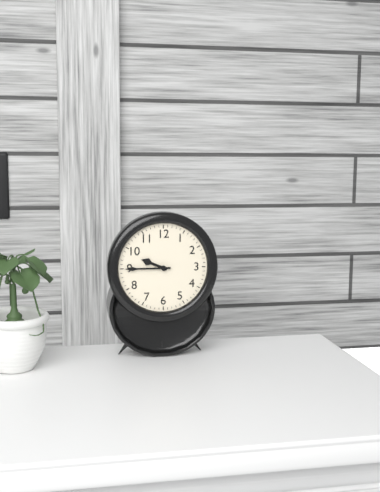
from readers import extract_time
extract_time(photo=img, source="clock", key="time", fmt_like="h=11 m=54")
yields h=9 m=45
